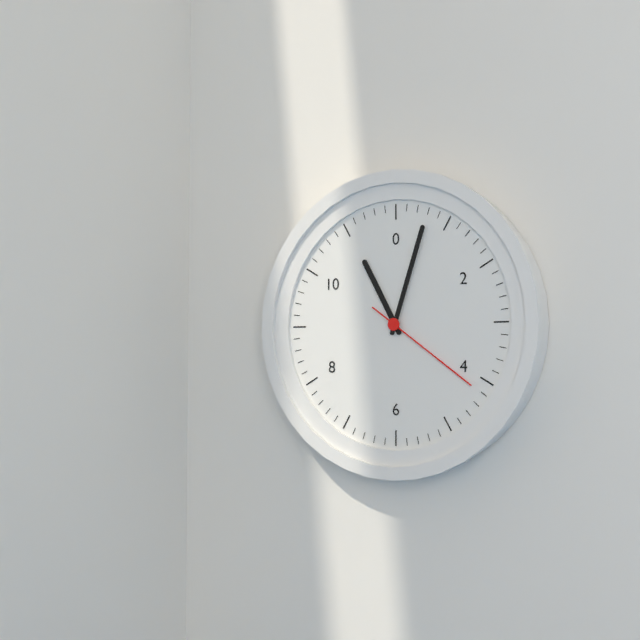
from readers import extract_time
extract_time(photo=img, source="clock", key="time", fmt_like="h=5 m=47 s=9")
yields h=11 m=3 s=21
